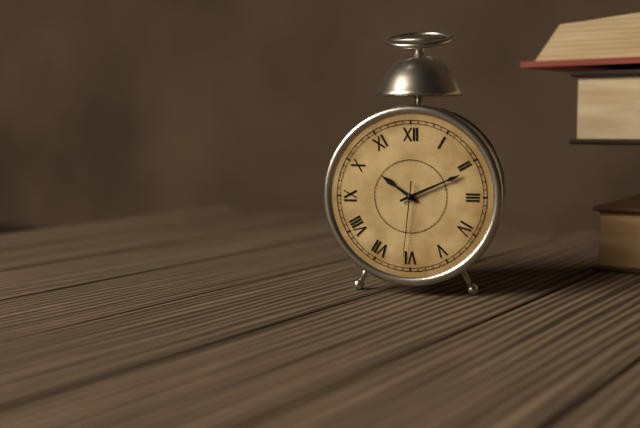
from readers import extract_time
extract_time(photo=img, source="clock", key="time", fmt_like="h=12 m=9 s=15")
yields h=10 m=11 s=31
